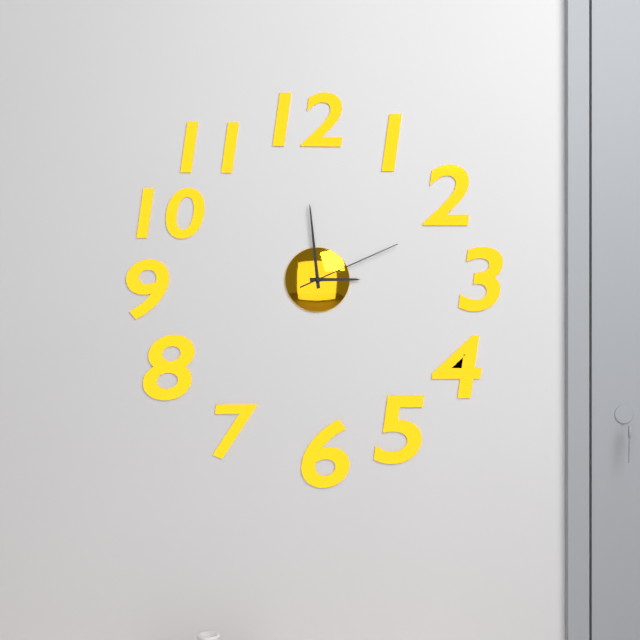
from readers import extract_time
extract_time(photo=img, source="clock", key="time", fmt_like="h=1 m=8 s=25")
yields h=2 m=59 s=11
